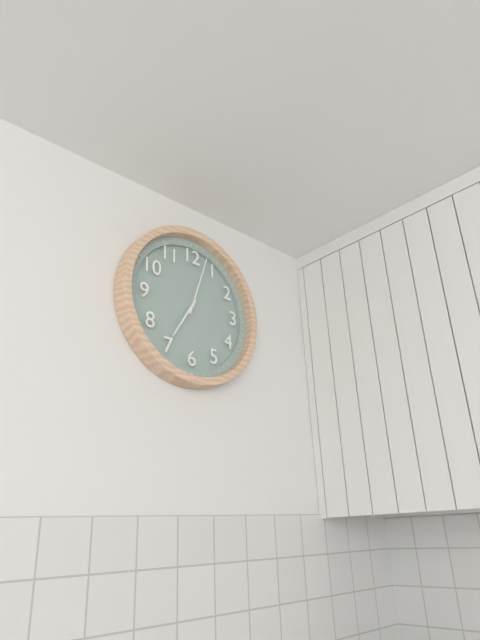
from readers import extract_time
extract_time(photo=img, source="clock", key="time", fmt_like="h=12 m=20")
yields h=7 m=3
